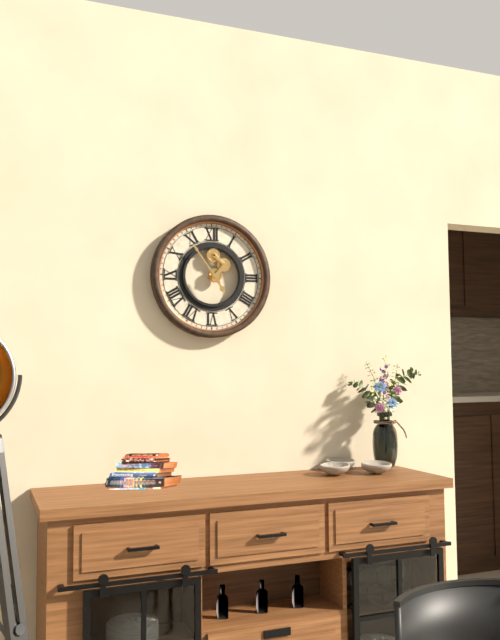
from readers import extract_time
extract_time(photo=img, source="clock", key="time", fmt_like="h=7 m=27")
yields h=4 m=54
